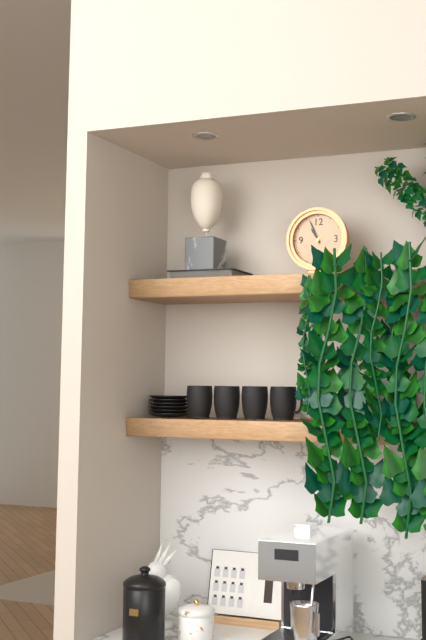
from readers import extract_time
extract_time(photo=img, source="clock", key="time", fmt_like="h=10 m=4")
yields h=10 m=56
